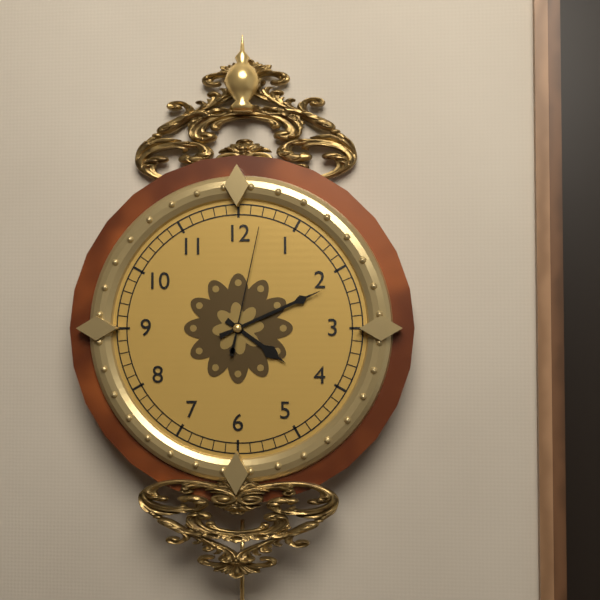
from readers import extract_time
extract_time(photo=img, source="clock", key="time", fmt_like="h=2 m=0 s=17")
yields h=4 m=11 s=2
